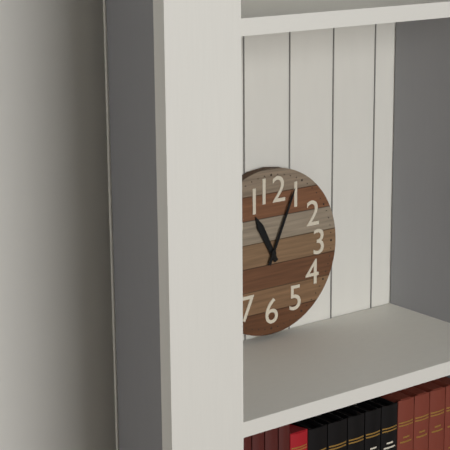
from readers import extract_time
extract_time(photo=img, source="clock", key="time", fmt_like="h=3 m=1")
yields h=11 m=4
